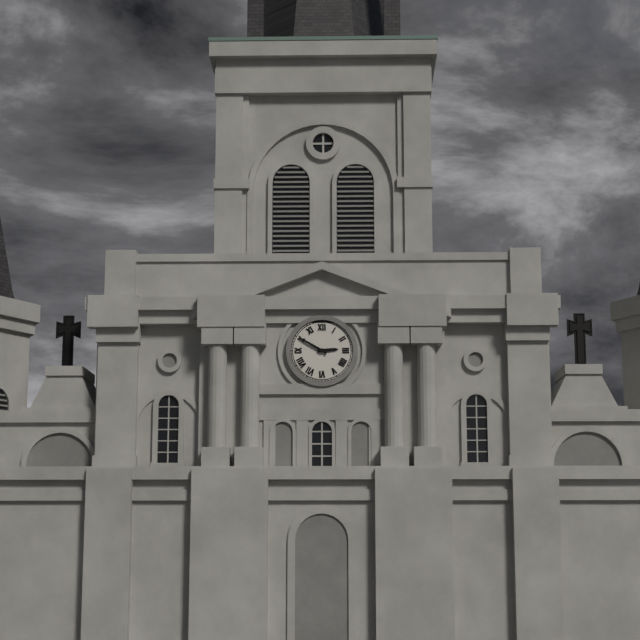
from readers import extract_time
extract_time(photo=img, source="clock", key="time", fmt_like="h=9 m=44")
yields h=2 m=50
